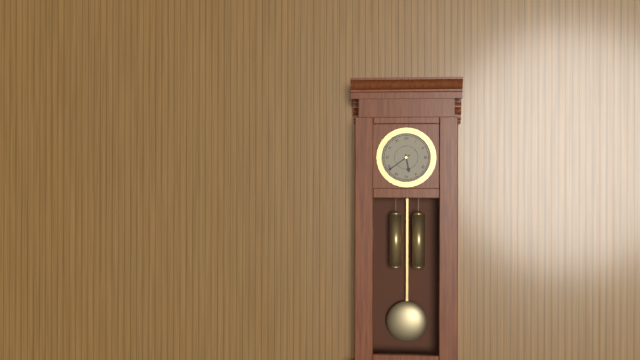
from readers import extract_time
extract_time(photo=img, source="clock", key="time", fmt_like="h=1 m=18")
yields h=5 m=39
